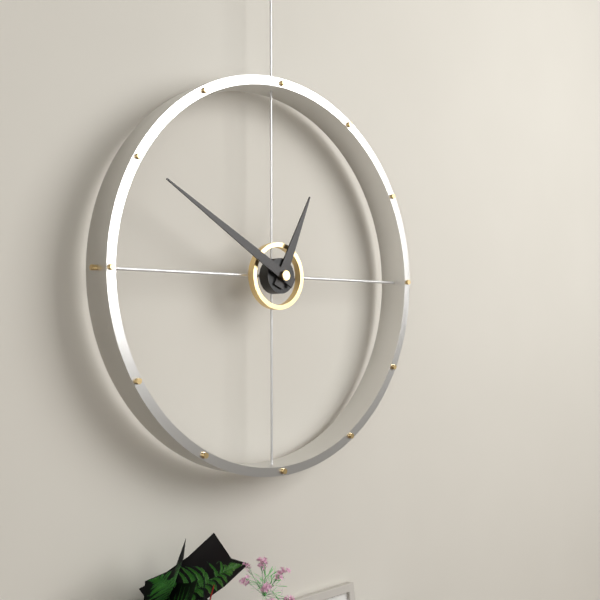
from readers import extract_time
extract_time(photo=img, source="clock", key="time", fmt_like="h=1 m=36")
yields h=12 m=50
